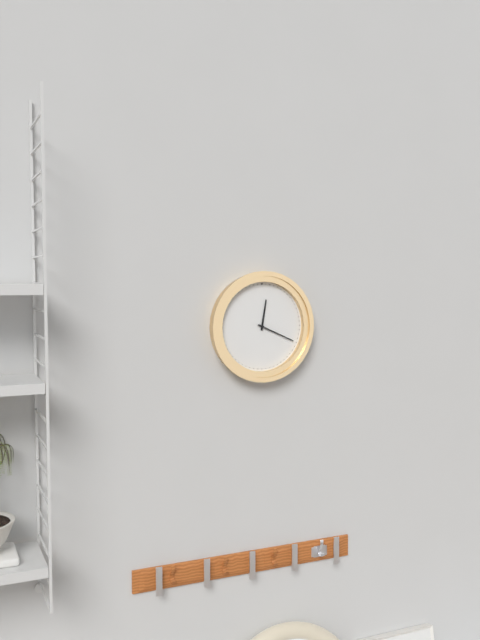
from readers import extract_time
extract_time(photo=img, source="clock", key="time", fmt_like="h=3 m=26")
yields h=12 m=19
